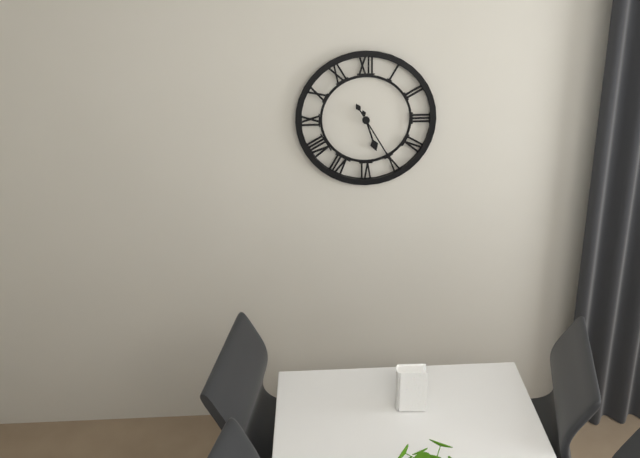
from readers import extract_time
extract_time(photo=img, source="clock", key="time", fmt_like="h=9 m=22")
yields h=5 m=25
